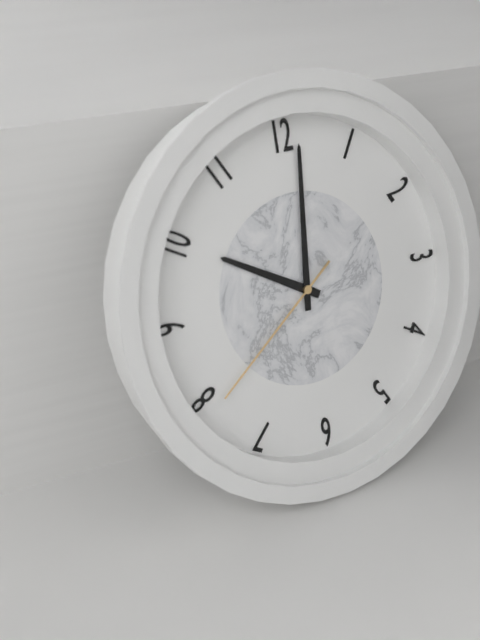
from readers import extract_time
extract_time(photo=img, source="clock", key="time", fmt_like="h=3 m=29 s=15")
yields h=10 m=1 s=39
